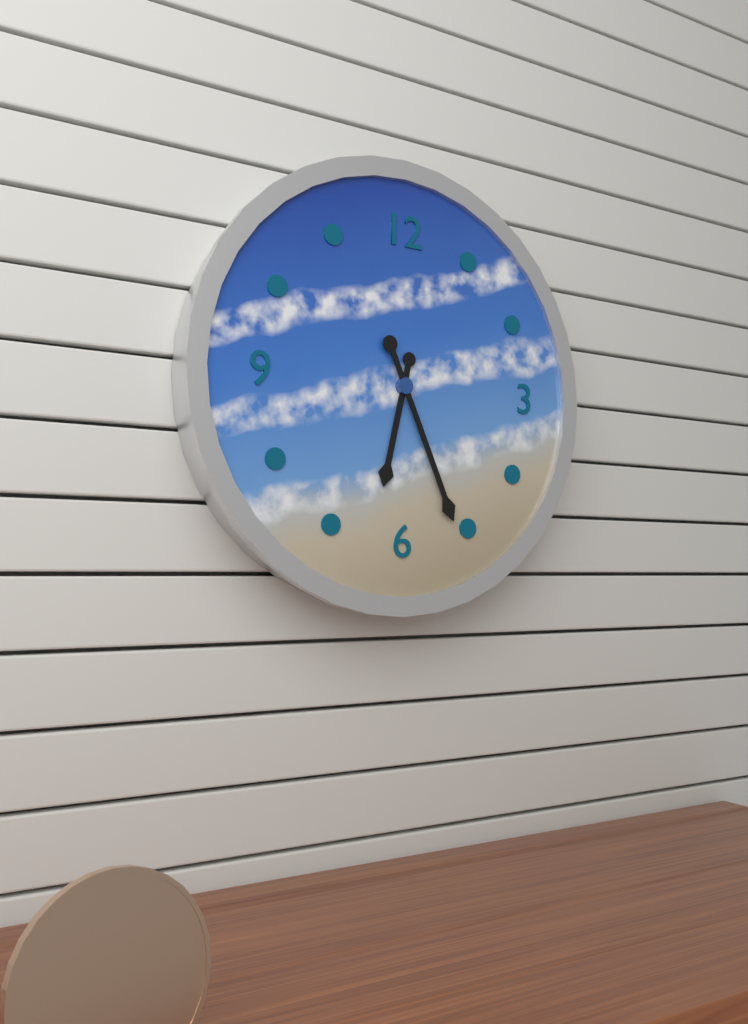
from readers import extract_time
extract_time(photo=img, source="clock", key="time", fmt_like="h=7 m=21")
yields h=6 m=26
